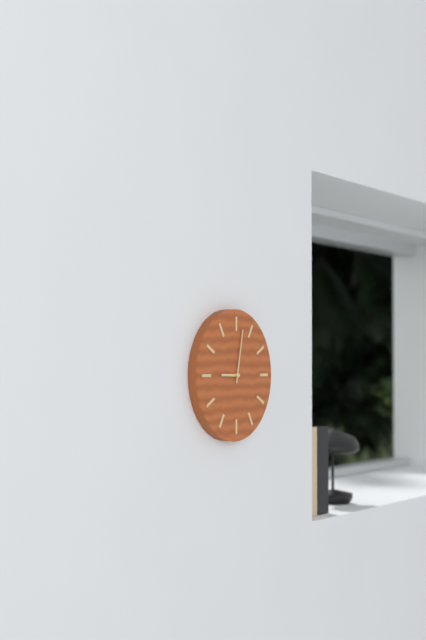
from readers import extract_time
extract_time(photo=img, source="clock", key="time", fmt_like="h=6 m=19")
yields h=9 m=2
